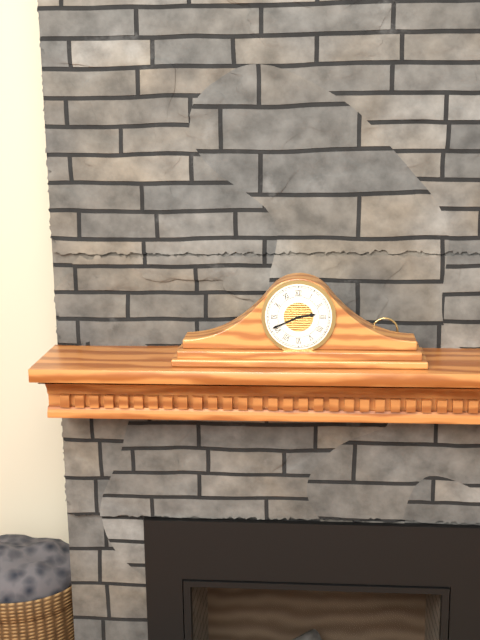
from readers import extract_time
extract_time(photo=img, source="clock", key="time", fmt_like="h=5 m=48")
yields h=2 m=41
